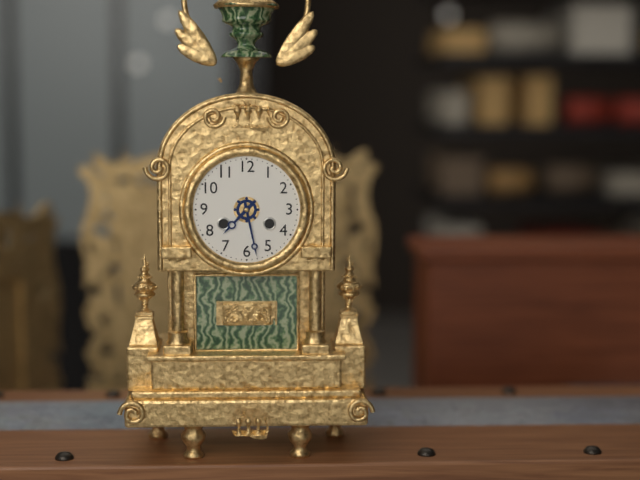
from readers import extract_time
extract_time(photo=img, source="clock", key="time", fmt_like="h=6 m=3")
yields h=7 m=28
